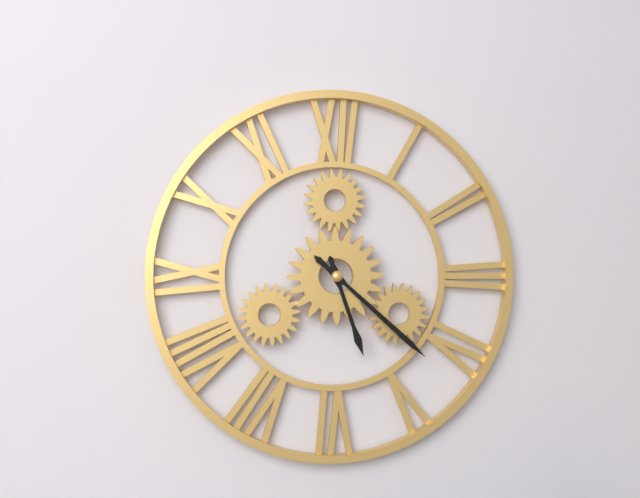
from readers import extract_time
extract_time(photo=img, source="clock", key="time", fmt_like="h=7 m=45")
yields h=5 m=22
